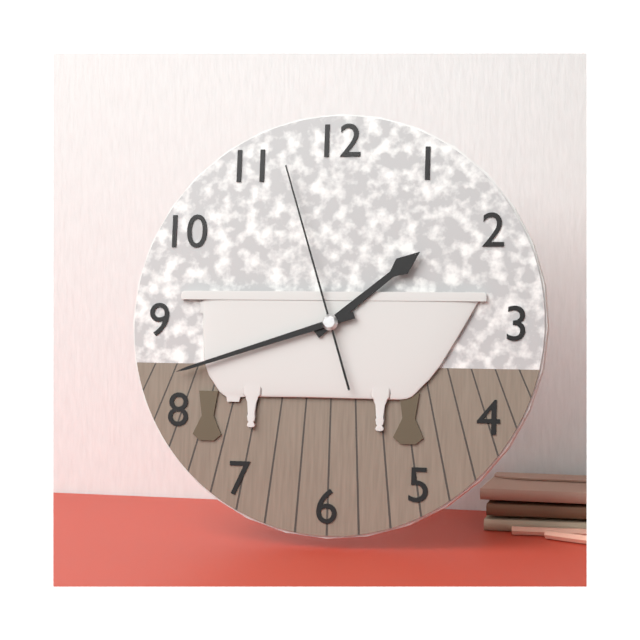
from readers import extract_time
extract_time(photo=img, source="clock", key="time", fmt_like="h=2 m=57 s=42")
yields h=1 m=42 s=57
